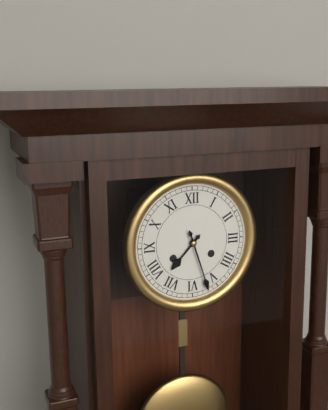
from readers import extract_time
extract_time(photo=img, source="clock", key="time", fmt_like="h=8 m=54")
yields h=7 m=27
